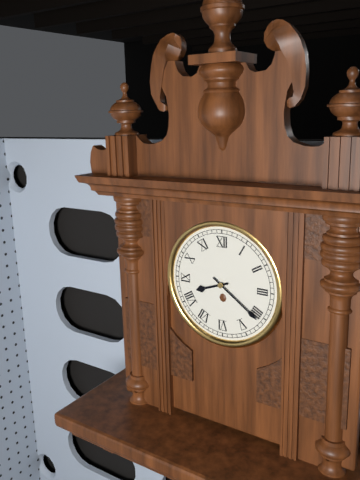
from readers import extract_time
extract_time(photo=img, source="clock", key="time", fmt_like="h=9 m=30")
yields h=8 m=21
